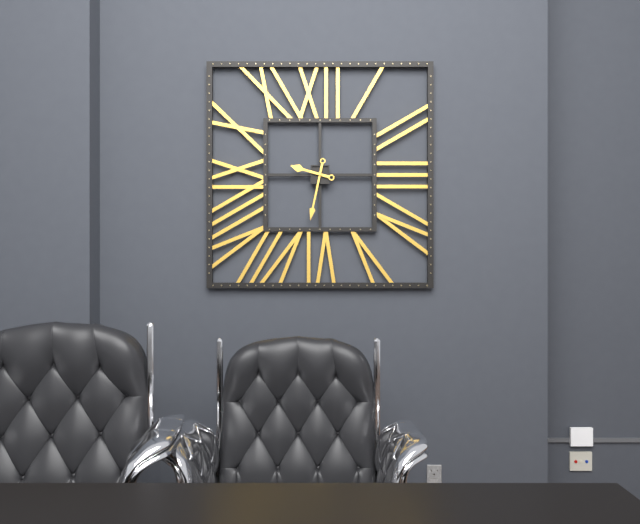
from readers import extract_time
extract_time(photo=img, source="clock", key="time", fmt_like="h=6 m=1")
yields h=9 m=32
